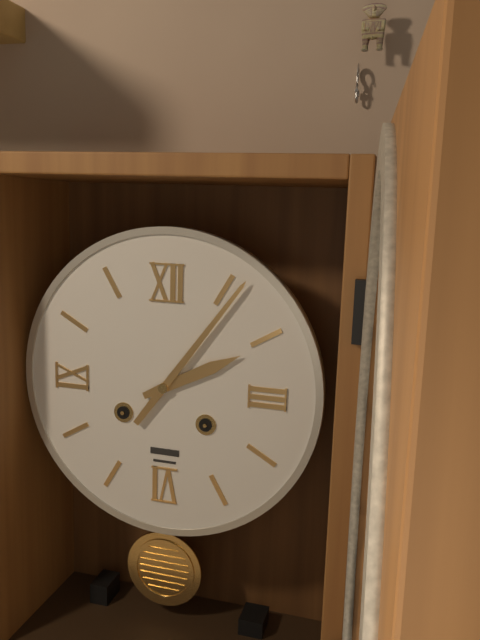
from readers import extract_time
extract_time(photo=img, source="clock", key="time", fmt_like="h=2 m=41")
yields h=2 m=6
